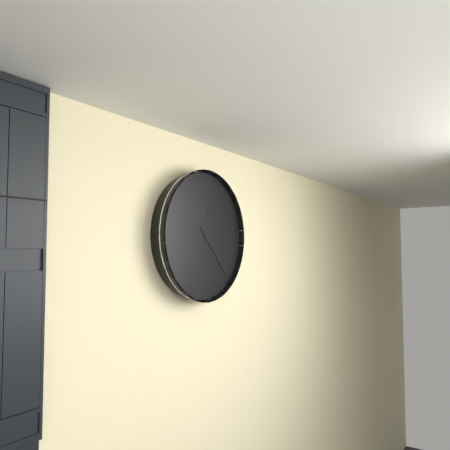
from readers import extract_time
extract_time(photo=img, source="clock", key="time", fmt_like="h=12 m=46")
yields h=12 m=23
